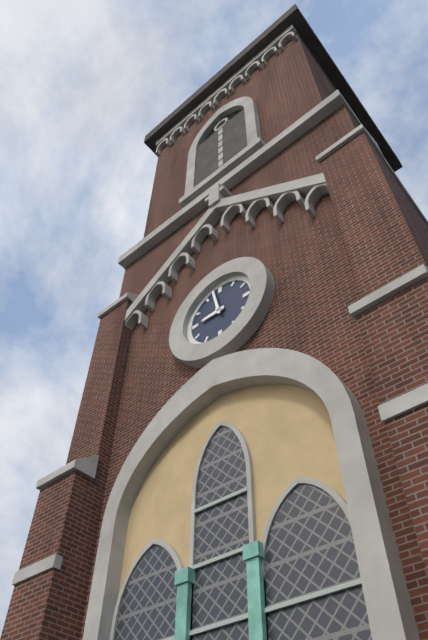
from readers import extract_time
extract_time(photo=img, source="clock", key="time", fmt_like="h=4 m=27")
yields h=8 m=58
